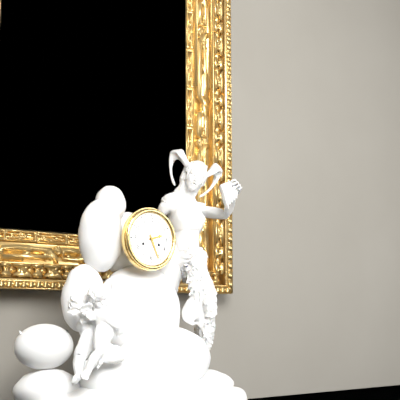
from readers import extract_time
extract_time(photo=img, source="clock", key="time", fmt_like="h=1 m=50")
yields h=2 m=26
